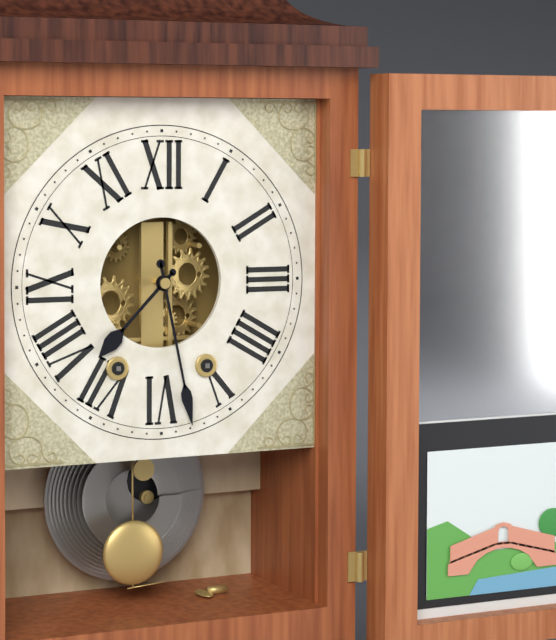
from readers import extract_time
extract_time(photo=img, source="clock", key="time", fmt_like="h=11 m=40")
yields h=7 m=28
